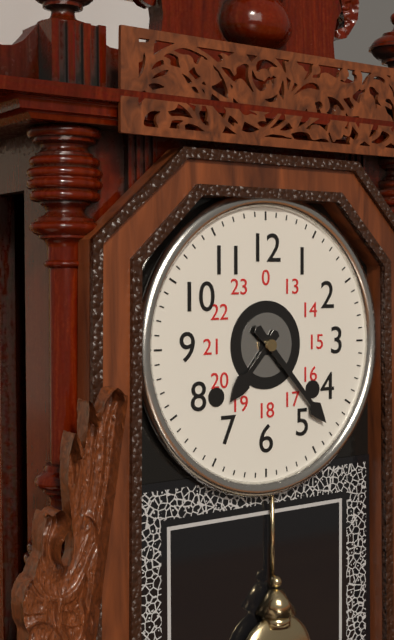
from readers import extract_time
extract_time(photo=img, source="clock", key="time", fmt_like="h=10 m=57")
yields h=7 m=23
